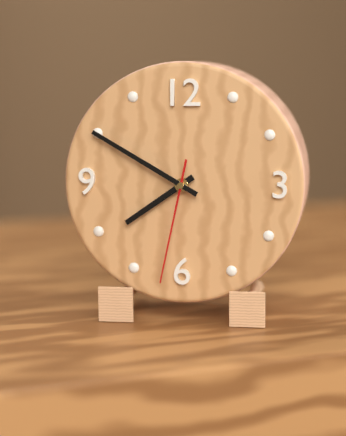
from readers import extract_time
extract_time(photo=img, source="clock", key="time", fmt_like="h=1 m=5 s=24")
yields h=7 m=50 s=32
